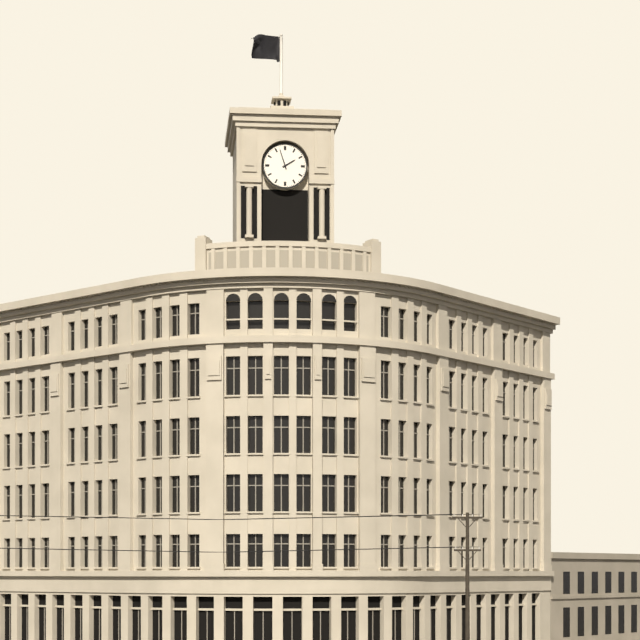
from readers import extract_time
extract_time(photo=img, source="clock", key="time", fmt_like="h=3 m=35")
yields h=1 m=57
